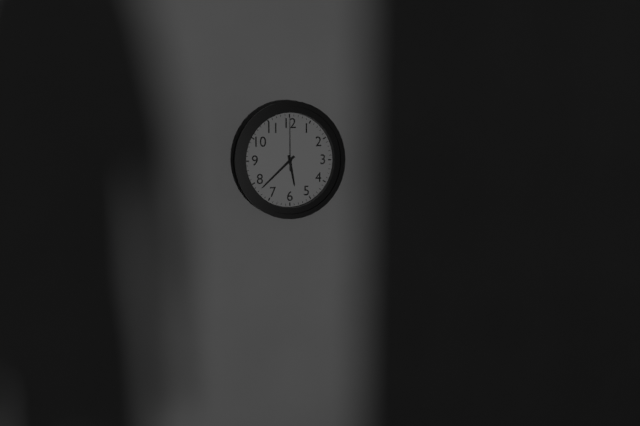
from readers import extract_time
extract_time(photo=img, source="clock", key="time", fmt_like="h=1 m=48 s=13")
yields h=5 m=38 s=0
